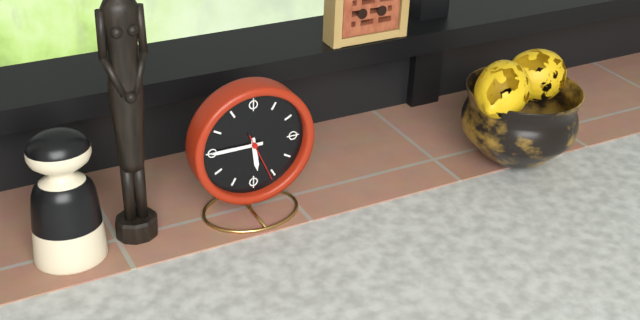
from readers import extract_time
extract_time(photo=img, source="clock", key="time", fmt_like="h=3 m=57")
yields h=5 m=45
